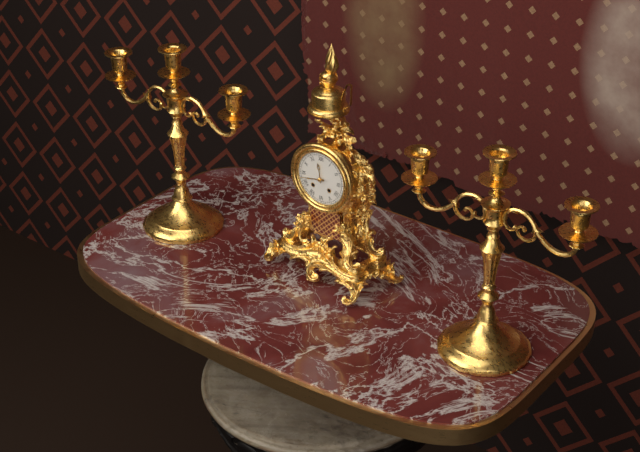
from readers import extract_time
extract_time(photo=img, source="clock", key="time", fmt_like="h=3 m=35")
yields h=11 m=43
